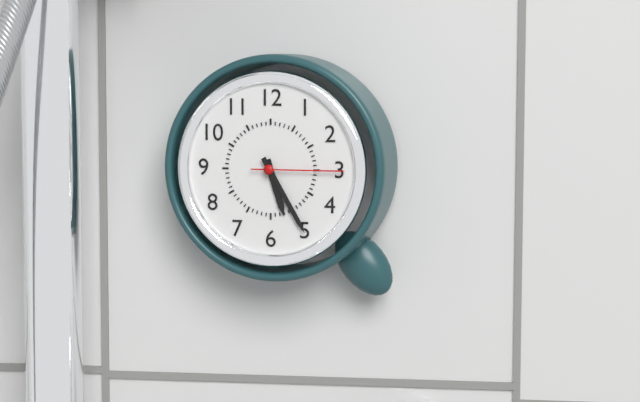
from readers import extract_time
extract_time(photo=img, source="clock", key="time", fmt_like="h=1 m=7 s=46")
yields h=5 m=25 s=15
